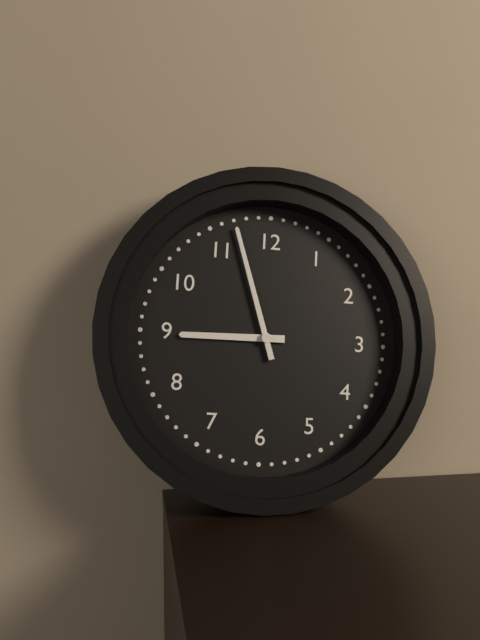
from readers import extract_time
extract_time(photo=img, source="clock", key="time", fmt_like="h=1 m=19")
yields h=8 m=57
